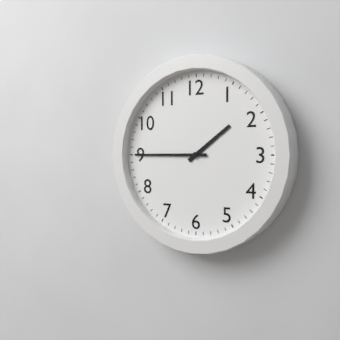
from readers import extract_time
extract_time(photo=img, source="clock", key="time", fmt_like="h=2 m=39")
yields h=1 m=45
